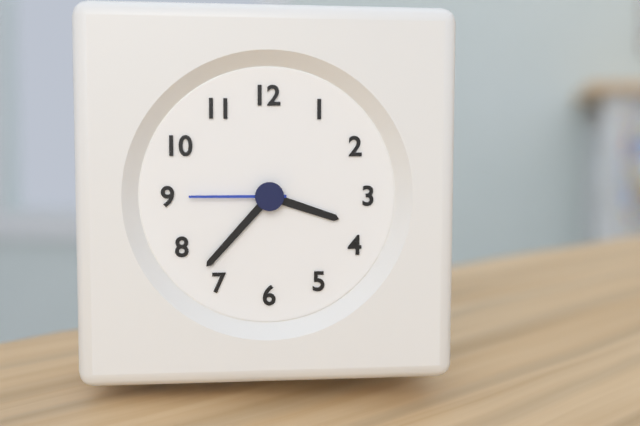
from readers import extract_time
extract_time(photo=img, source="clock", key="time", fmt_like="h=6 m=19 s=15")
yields h=3 m=37 s=45
